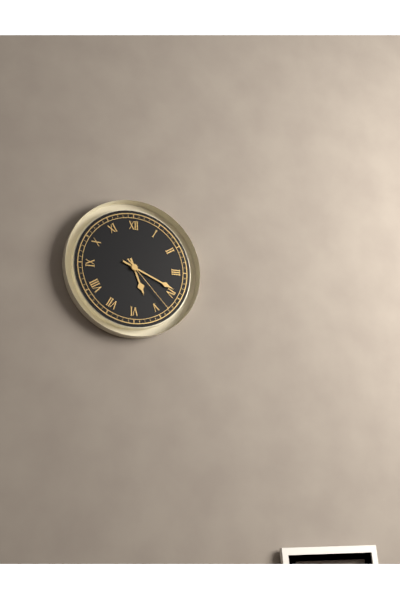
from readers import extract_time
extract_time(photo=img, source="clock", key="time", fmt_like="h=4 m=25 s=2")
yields h=5 m=19 s=23
